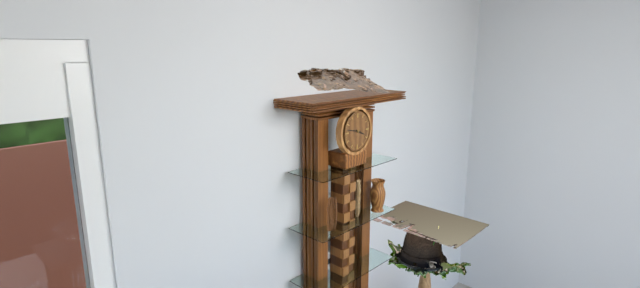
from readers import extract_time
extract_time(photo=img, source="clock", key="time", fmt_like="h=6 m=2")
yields h=3 m=47
